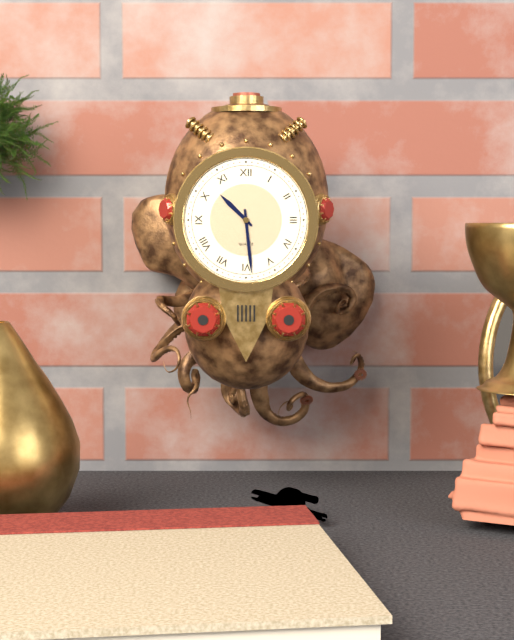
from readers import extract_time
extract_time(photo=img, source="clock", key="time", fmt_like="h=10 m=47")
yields h=10 m=29
